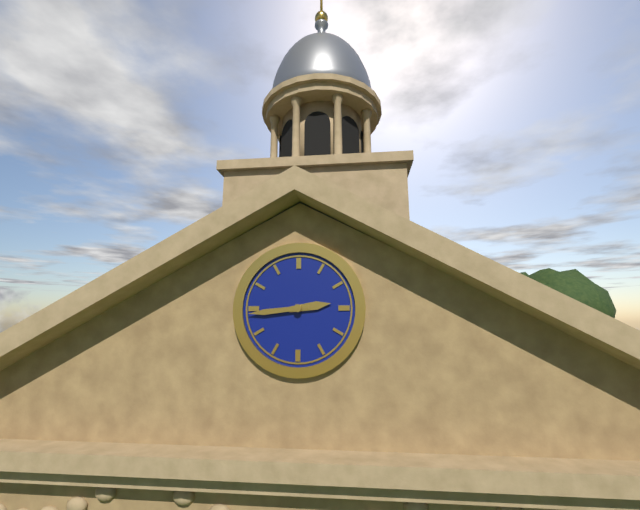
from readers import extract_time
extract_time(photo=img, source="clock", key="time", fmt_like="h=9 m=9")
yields h=2 m=44
